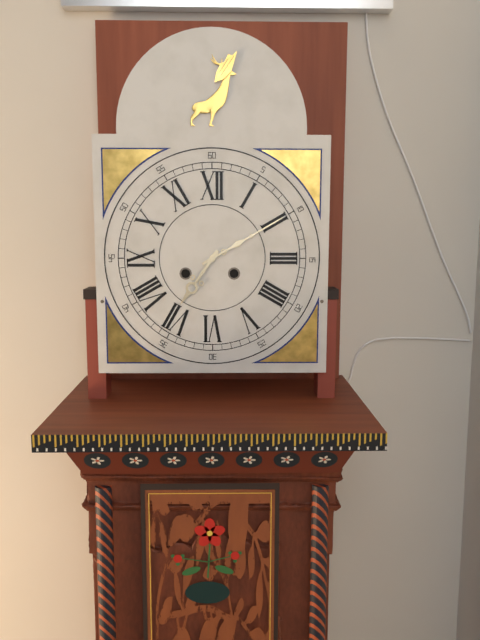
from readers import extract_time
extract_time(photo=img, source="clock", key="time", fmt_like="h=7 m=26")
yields h=7 m=10
